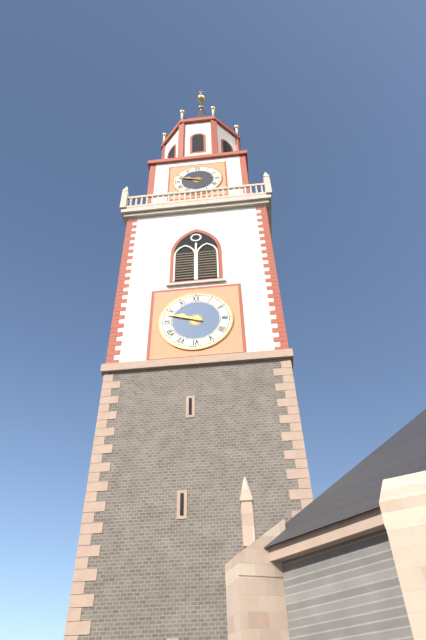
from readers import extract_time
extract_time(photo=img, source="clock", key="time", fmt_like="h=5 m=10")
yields h=9 m=48
